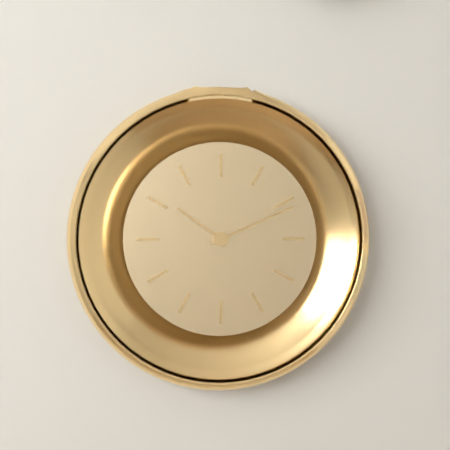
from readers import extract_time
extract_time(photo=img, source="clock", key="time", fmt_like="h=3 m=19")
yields h=10 m=11
